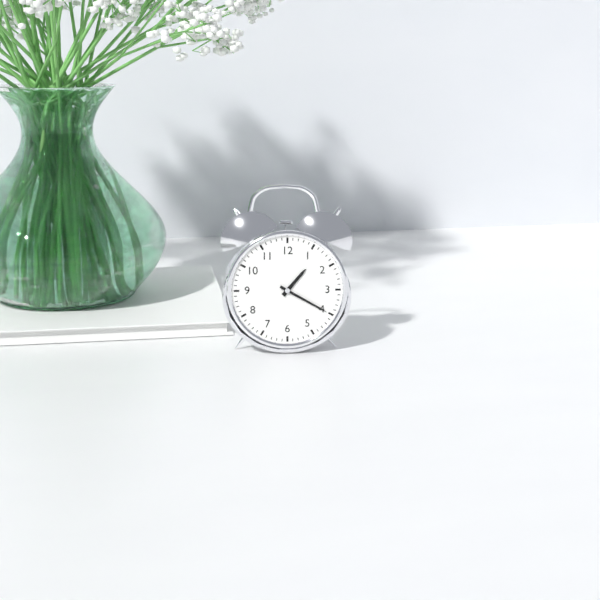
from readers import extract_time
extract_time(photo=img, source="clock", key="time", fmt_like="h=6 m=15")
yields h=1 m=20
